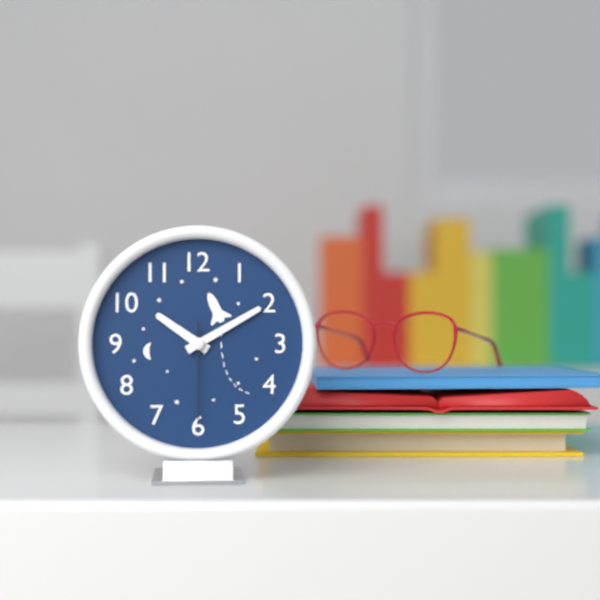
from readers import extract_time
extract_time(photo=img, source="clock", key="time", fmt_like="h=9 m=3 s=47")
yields h=10 m=10 s=30
